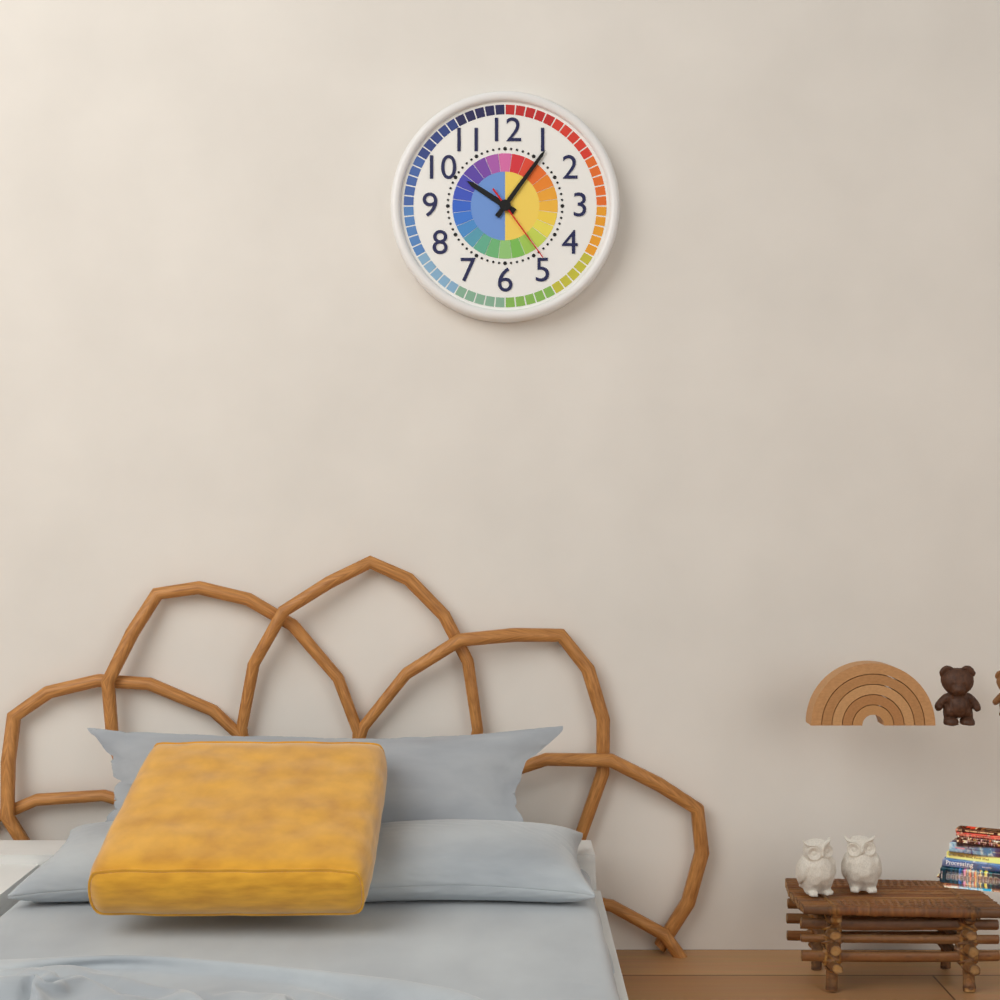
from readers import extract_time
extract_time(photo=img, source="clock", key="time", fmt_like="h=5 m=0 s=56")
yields h=10 m=6 s=24
